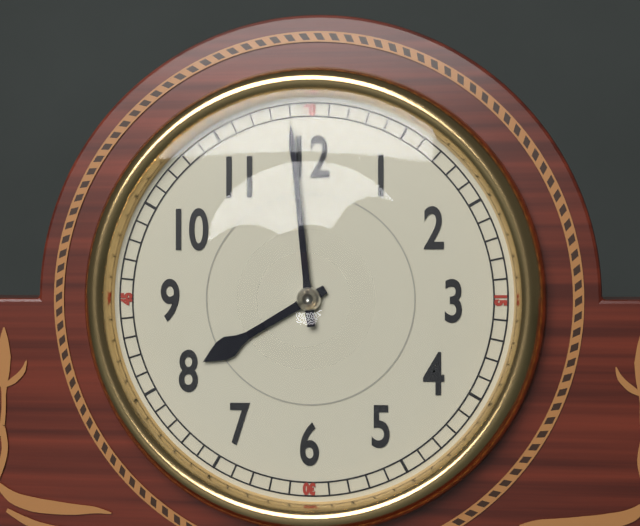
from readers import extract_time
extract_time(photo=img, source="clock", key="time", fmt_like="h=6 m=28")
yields h=7 m=59
